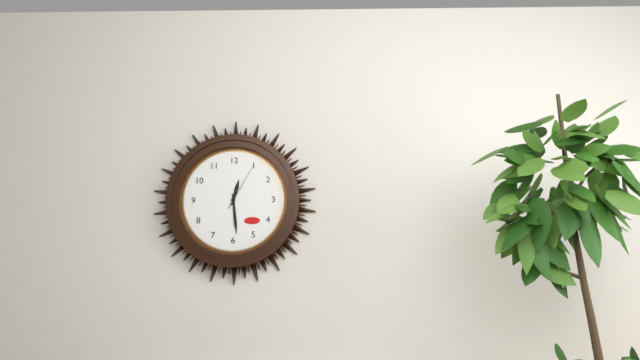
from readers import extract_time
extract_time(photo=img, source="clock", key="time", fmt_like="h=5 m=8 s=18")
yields h=12 m=29 s=5
